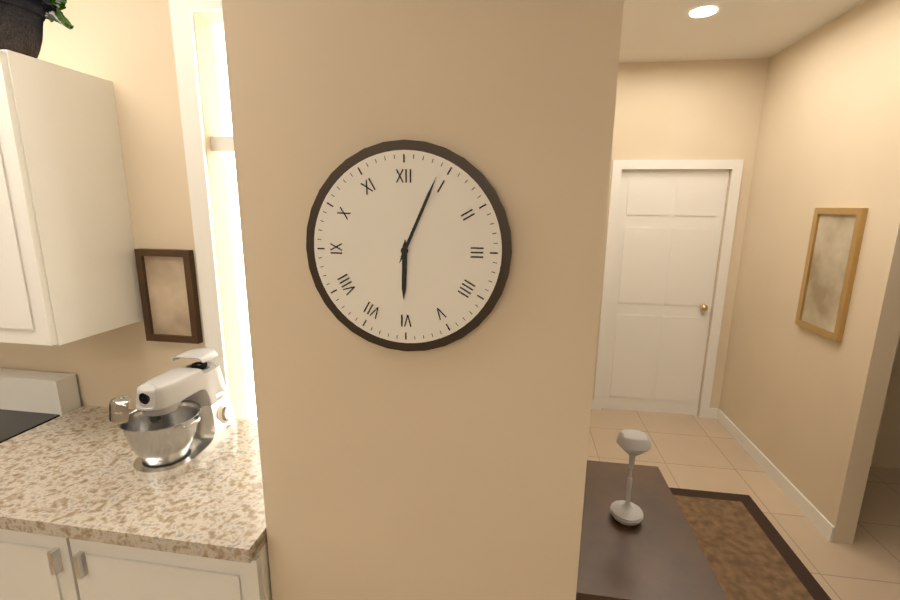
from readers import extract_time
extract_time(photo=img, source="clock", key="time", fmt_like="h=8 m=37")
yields h=6 m=4
